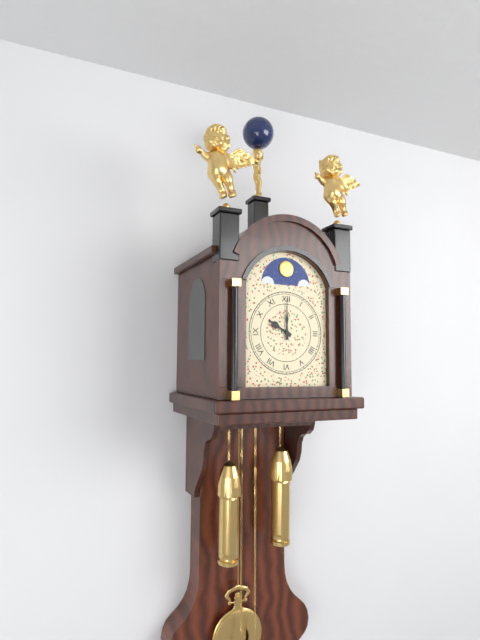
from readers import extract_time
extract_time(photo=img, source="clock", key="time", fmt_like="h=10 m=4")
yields h=10 m=0
